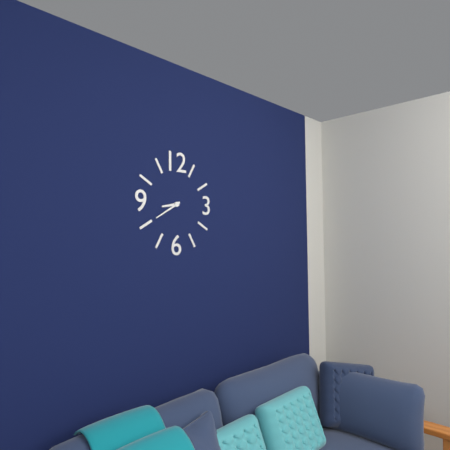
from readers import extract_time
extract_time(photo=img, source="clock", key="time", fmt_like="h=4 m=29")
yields h=8 m=40
